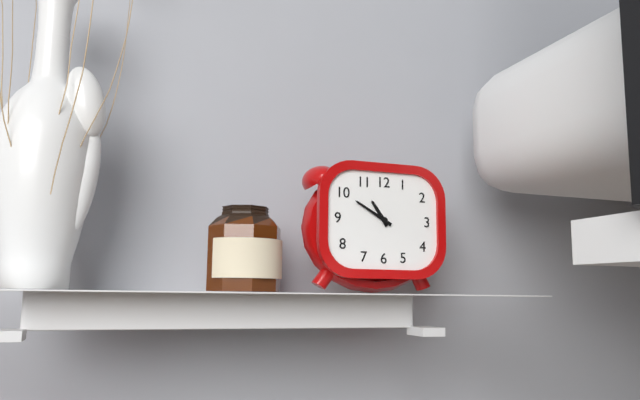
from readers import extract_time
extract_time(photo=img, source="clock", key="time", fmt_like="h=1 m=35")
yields h=10 m=50
